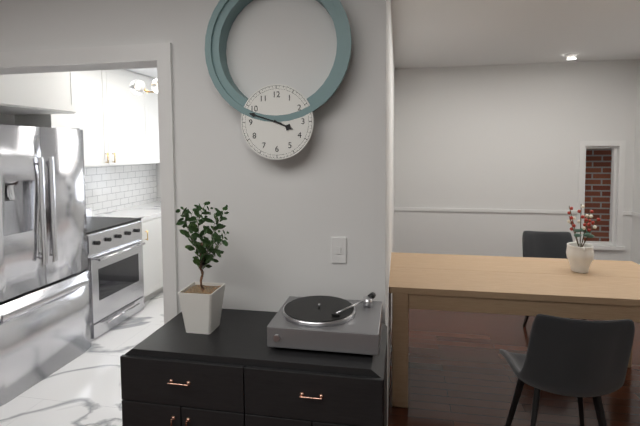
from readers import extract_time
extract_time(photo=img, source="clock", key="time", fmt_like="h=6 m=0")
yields h=3 m=48
